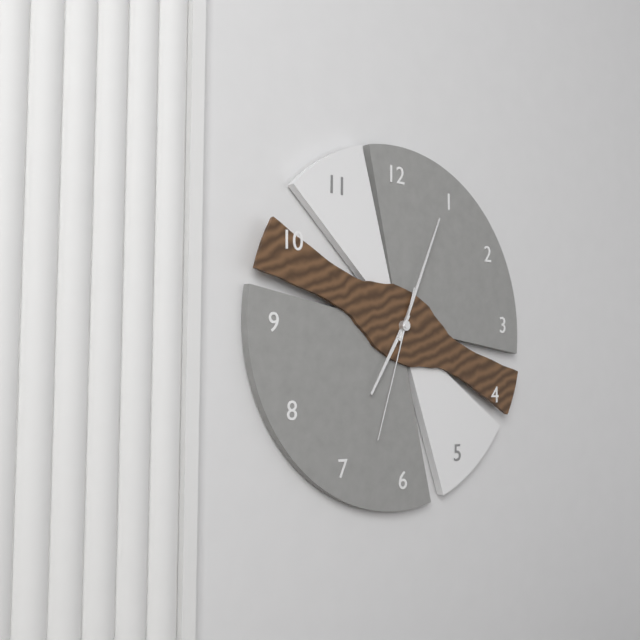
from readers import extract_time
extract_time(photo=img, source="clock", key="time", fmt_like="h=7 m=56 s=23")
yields h=7 m=4 s=33
